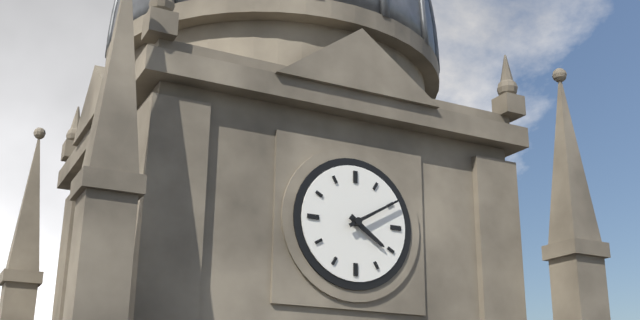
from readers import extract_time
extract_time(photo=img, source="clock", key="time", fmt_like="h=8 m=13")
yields h=4 m=10
